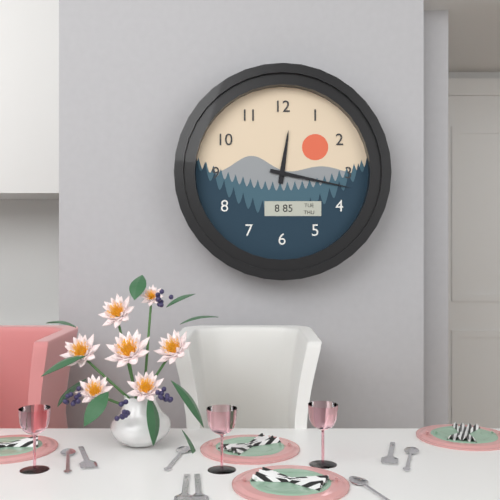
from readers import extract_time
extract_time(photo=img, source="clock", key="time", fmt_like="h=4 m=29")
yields h=12 m=17
